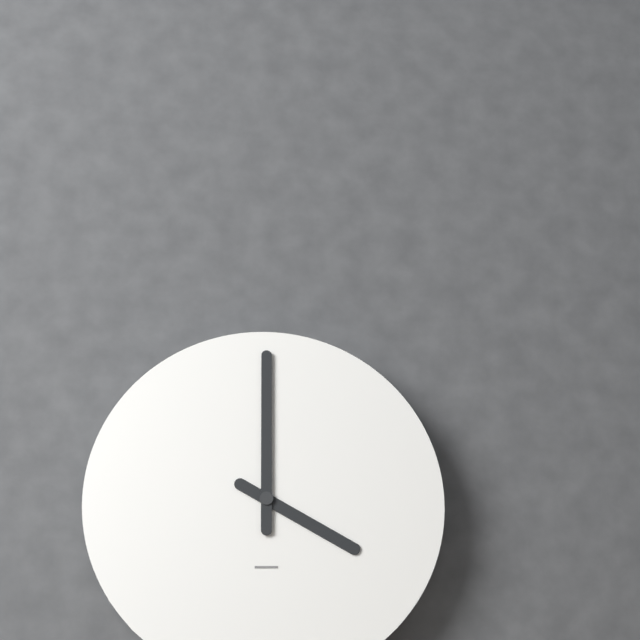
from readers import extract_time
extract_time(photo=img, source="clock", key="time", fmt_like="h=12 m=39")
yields h=4 m=0
